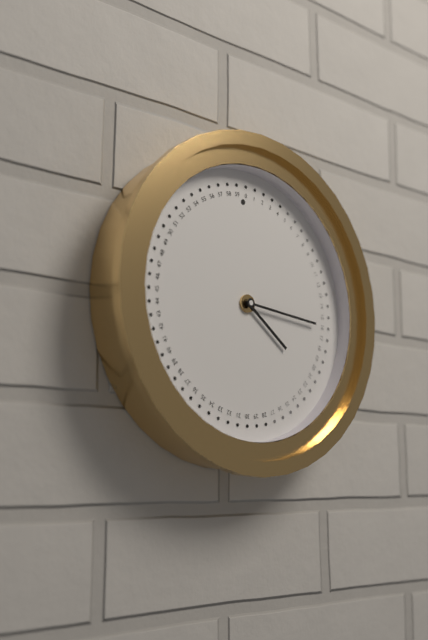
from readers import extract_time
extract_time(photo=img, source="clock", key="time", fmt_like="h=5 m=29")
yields h=4 m=16
